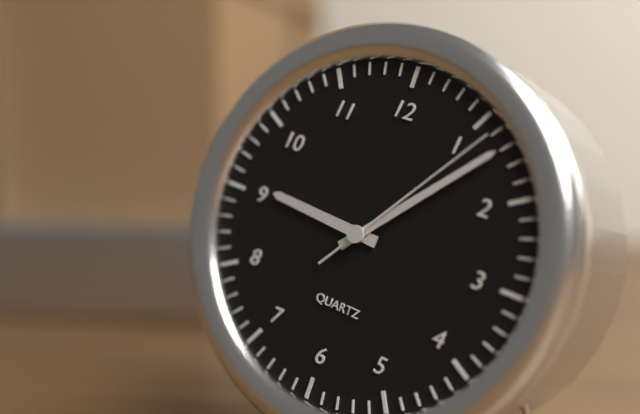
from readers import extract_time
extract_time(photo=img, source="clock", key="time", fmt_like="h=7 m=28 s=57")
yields h=9 m=7 s=6
